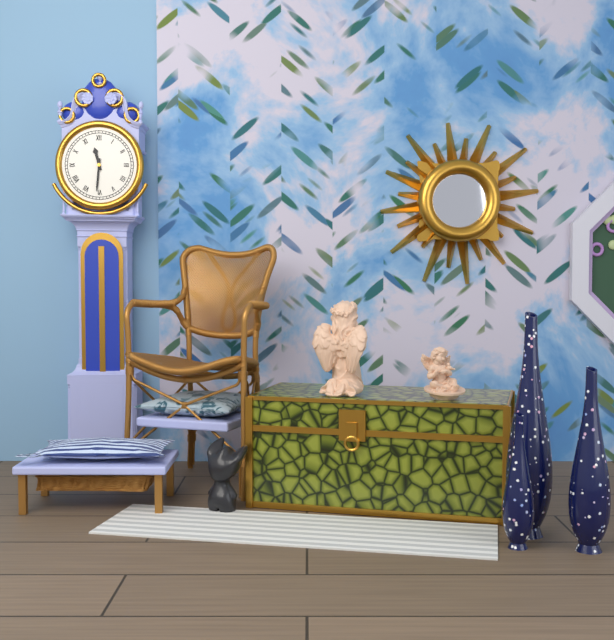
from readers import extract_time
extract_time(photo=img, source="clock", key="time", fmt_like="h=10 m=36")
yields h=11 m=31
